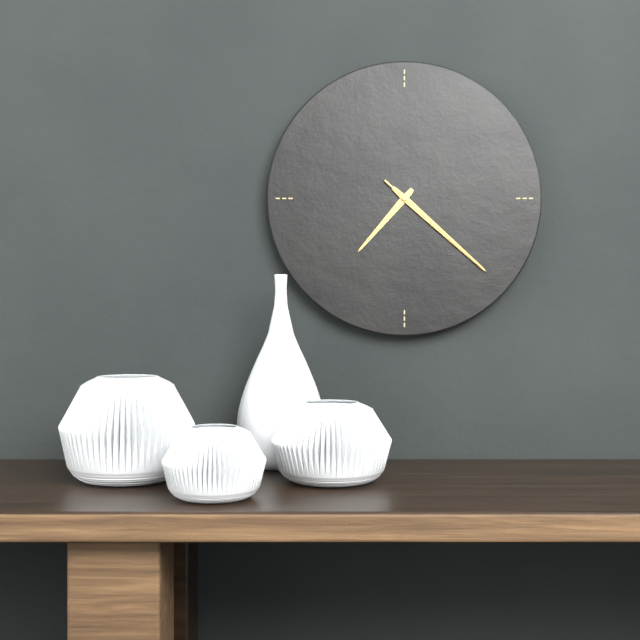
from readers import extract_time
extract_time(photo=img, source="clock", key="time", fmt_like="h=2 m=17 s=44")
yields h=7 m=22 s=22
